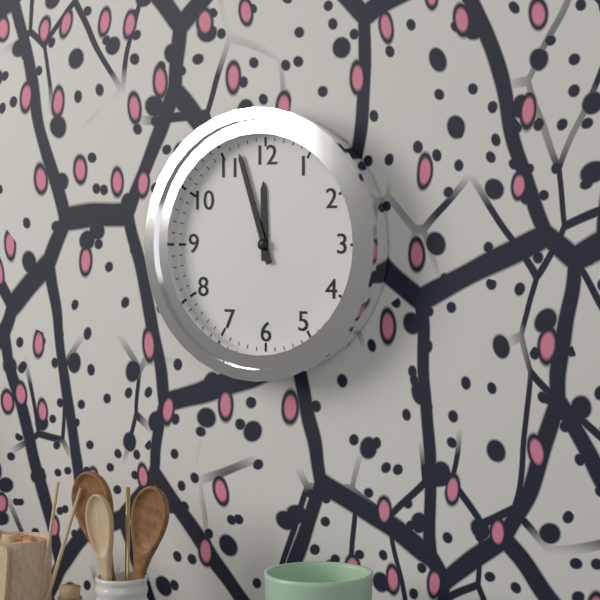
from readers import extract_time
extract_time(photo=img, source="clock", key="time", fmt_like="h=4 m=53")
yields h=11 m=57
